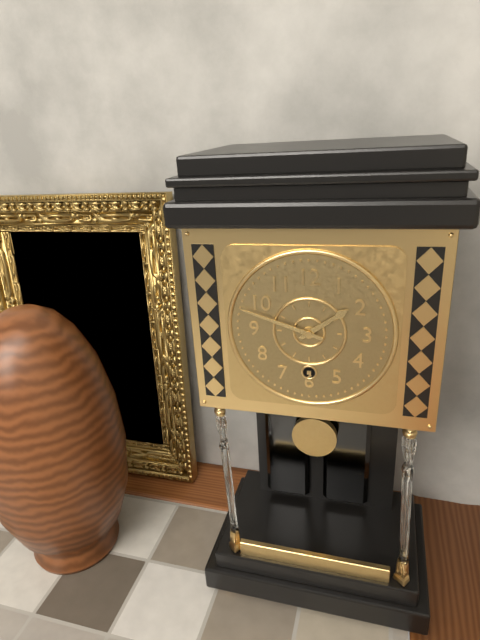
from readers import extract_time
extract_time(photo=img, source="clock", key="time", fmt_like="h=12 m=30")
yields h=1 m=48
